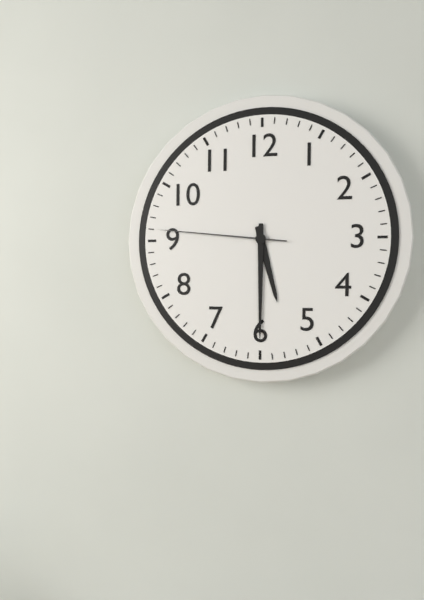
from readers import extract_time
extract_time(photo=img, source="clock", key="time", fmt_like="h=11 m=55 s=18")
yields h=5 m=30 s=46
